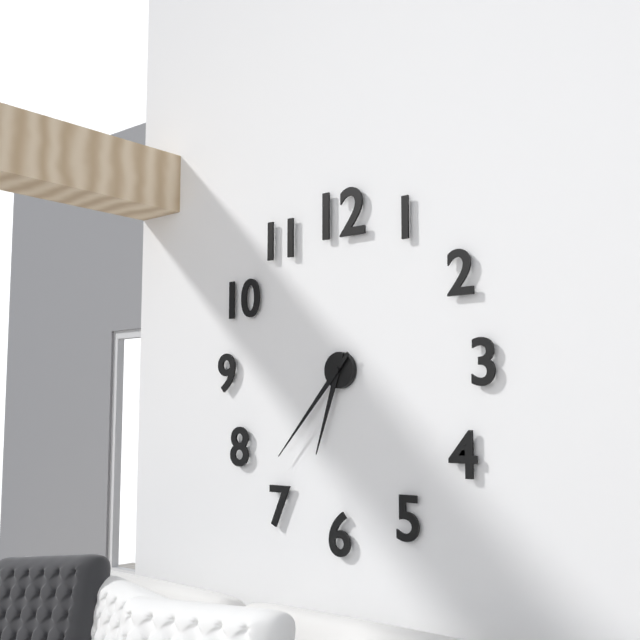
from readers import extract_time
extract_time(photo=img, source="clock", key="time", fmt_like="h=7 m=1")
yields h=6 m=37
